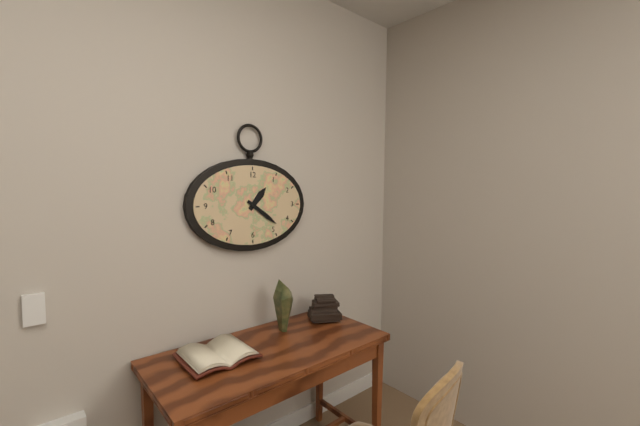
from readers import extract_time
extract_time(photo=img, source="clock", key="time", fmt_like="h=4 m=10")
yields h=1 m=21
